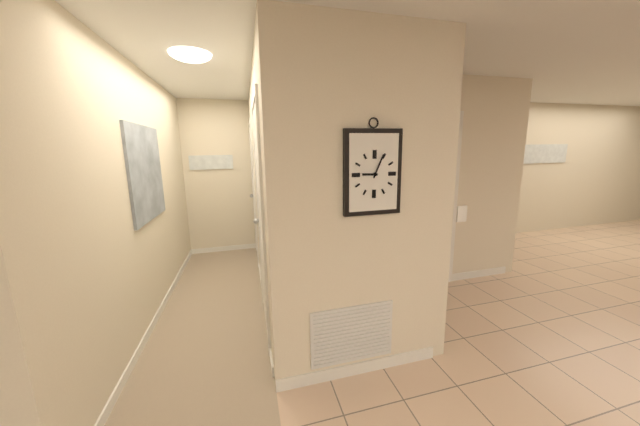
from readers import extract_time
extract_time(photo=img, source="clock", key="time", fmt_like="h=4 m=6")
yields h=9 m=4
